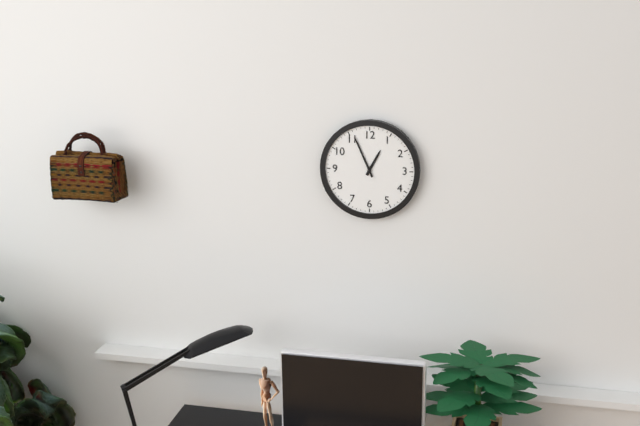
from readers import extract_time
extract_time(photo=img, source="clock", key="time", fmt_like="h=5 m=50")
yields h=12 m=56
